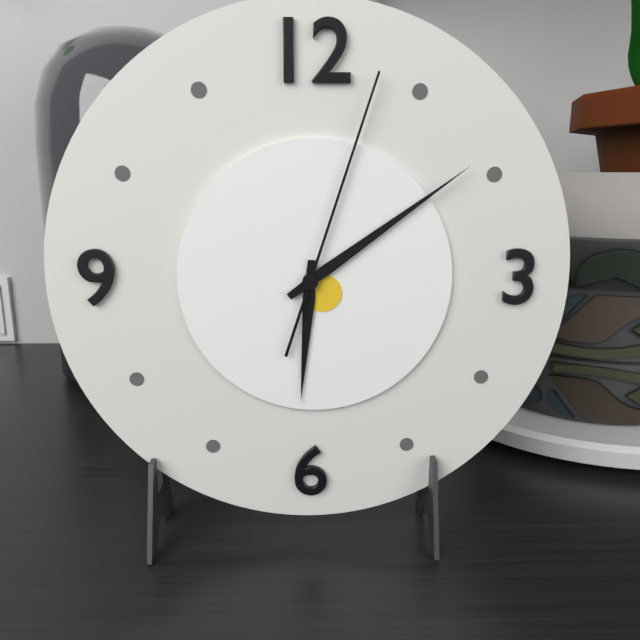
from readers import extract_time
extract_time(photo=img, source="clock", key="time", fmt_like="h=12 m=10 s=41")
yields h=6 m=9 s=3
